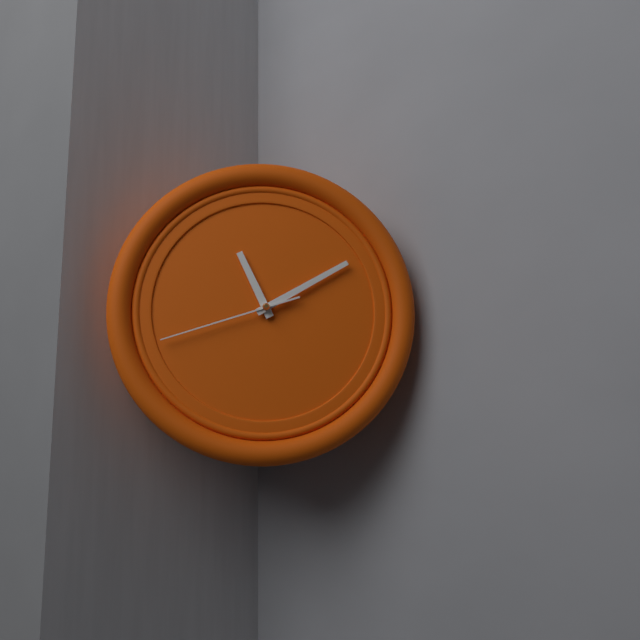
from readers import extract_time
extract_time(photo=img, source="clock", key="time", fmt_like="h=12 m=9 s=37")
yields h=11 m=10 s=42
